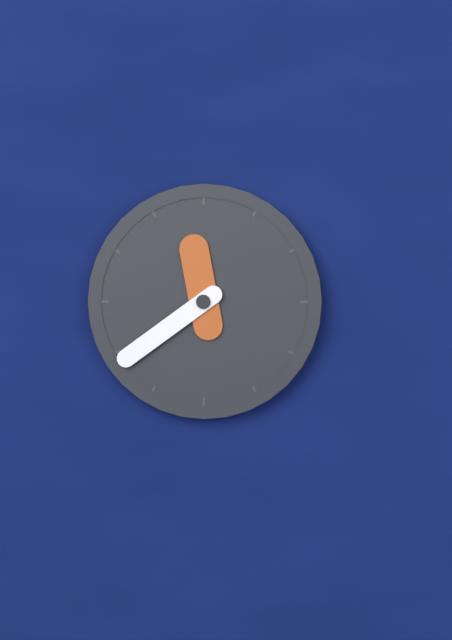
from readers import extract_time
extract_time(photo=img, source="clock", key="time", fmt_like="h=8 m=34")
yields h=11 m=39
